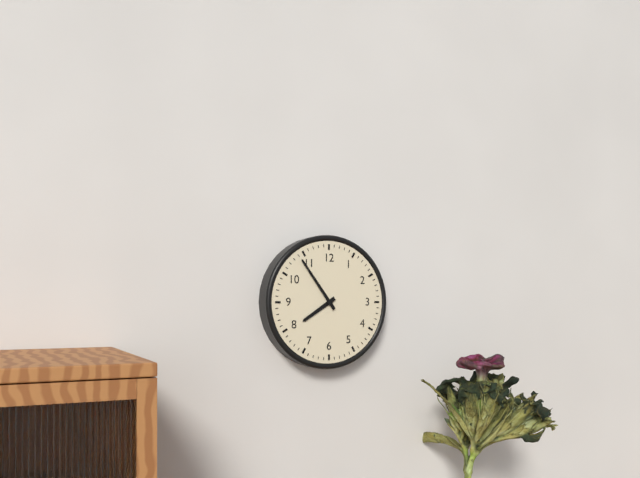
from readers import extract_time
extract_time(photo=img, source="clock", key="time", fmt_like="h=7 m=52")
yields h=7 m=54
